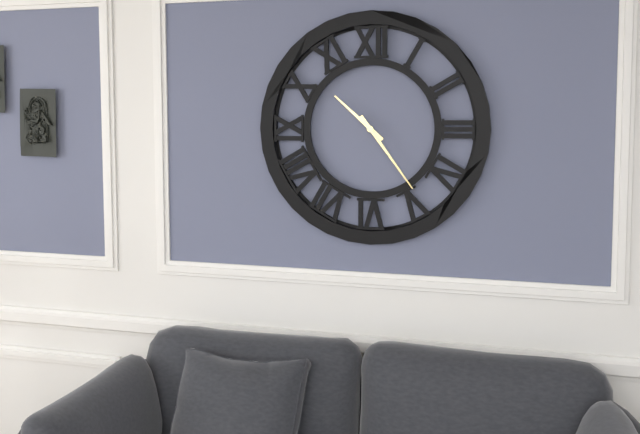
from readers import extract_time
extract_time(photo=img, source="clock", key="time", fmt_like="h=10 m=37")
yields h=10 m=24
